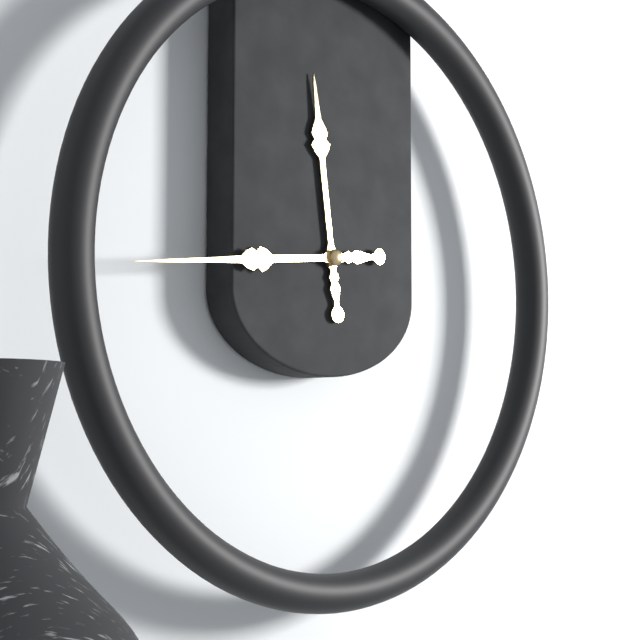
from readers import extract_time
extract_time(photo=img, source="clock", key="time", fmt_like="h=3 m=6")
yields h=11 m=44
